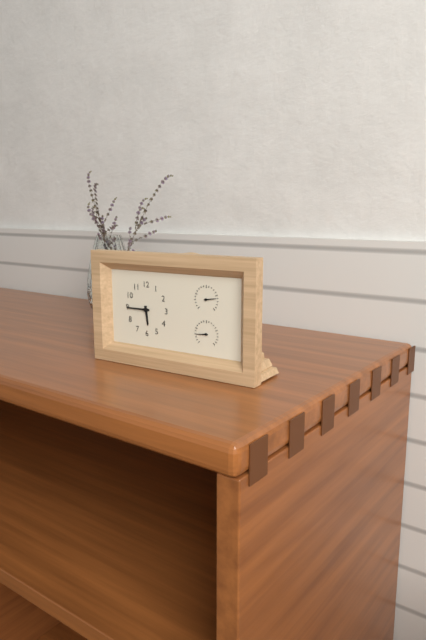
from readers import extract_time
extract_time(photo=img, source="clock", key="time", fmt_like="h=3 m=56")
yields h=5 m=45
